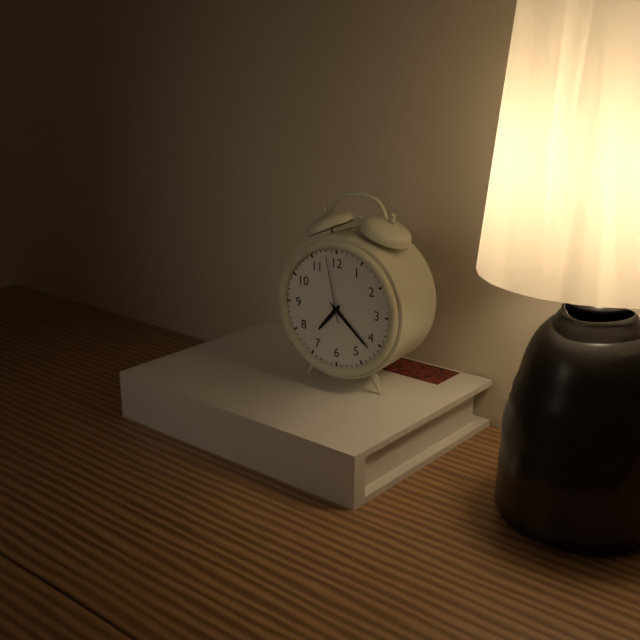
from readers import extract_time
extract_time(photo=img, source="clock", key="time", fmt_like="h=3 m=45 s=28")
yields h=7 m=22 s=58
